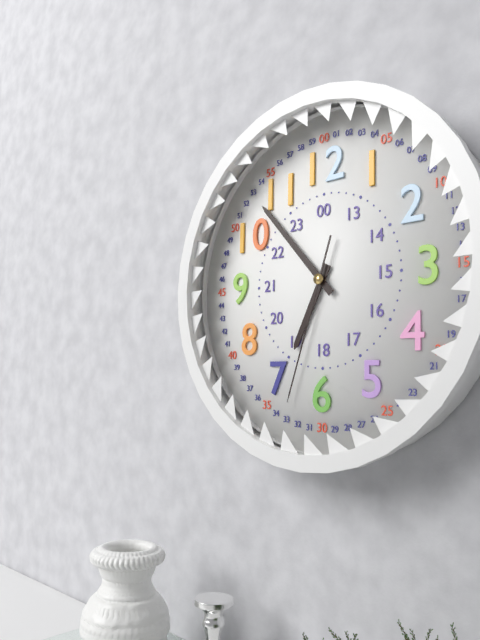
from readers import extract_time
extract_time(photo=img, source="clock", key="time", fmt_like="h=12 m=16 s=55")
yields h=6 m=53 s=33
